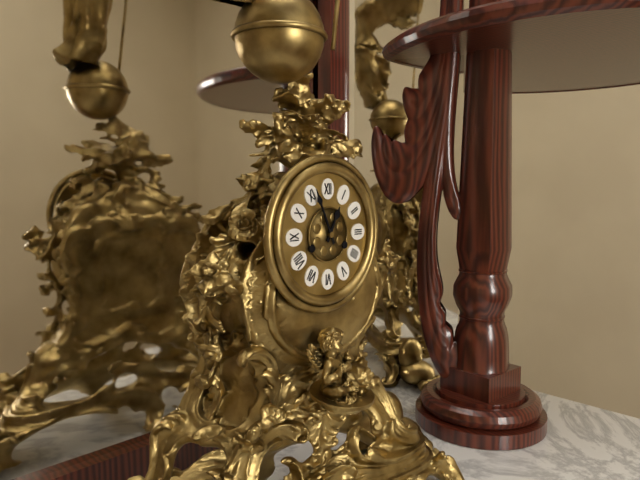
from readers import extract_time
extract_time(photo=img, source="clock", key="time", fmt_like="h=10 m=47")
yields h=12 m=56
